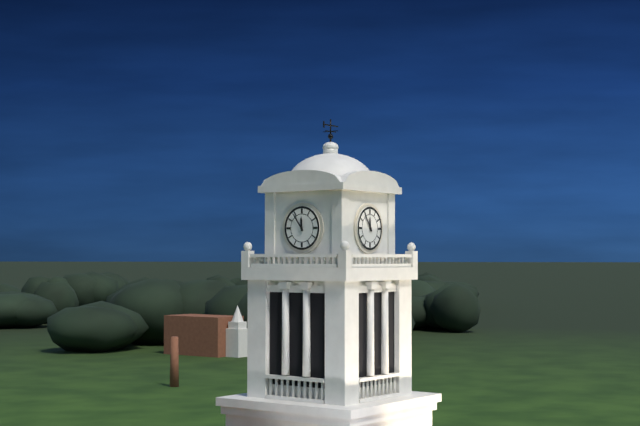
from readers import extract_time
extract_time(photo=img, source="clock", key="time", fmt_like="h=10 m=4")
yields h=11 m=54
